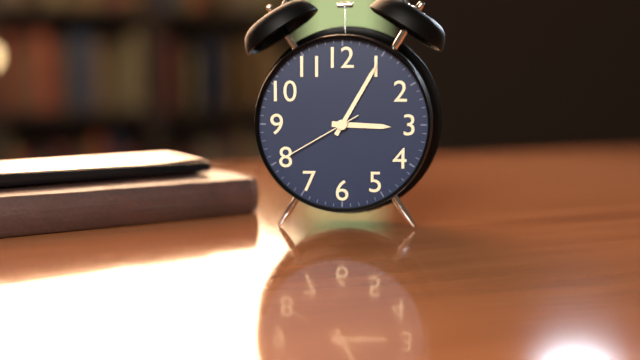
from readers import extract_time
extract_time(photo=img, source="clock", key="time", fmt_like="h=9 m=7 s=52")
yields h=3 m=5 s=40
